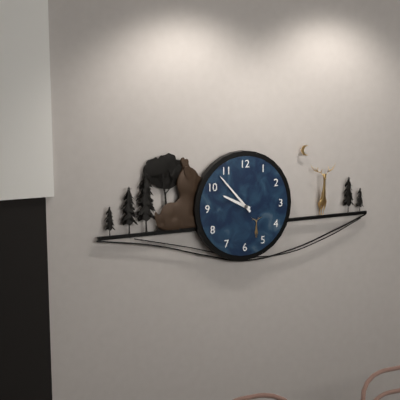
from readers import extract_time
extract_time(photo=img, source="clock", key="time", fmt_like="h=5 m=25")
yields h=9 m=53
